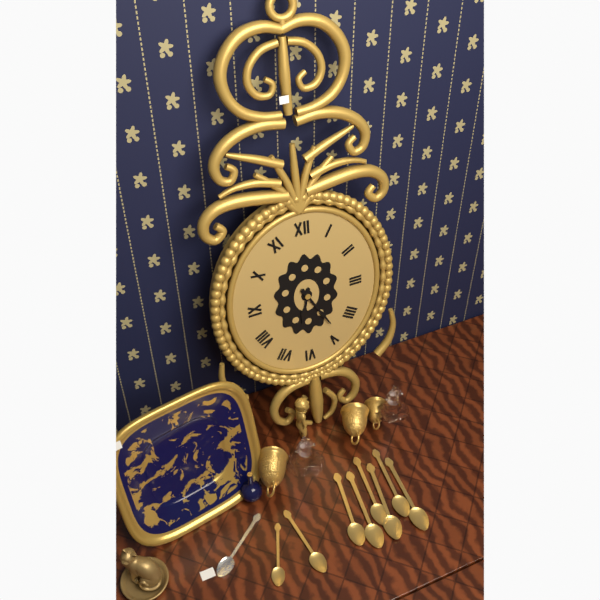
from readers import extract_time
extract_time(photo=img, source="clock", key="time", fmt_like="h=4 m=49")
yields h=6 m=25
